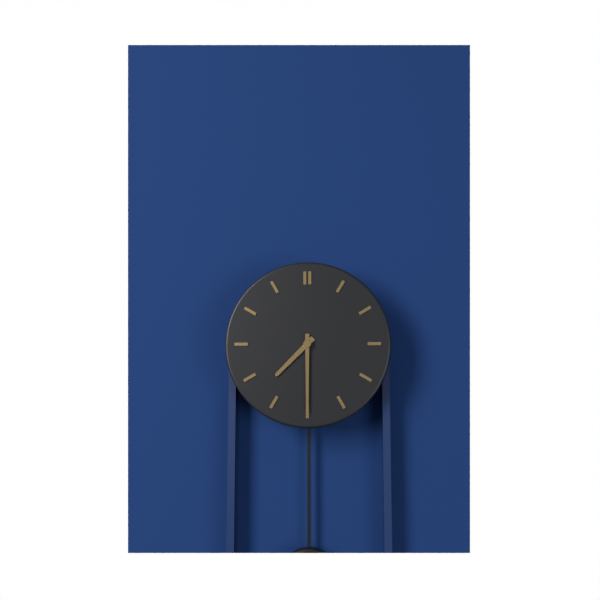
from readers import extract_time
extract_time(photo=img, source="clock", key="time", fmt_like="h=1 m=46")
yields h=7 m=30
